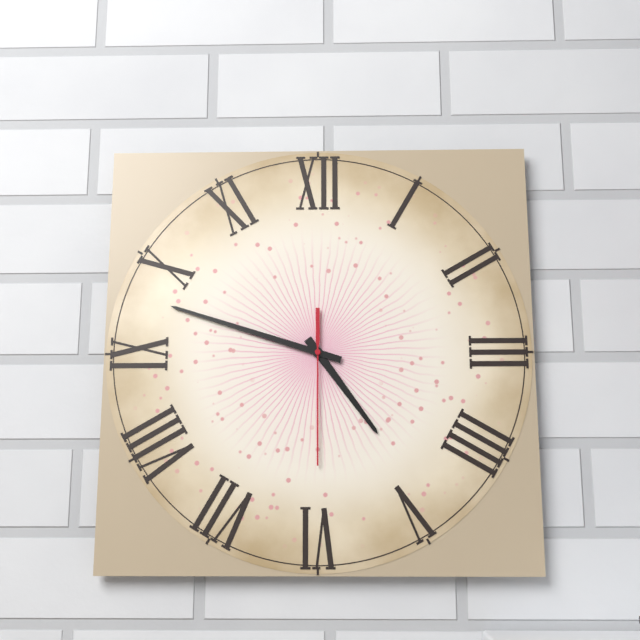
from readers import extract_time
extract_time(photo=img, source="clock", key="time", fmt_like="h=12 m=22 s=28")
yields h=4 m=48 s=30
